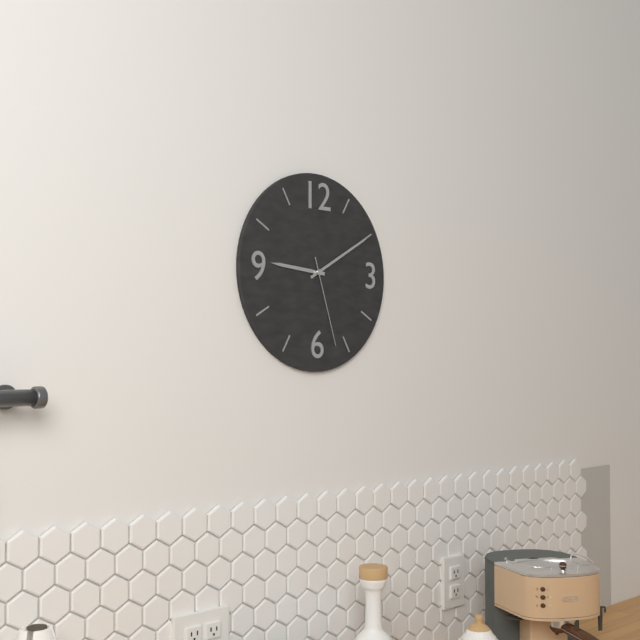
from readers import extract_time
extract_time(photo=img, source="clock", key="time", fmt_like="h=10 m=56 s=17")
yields h=9 m=10 s=27
